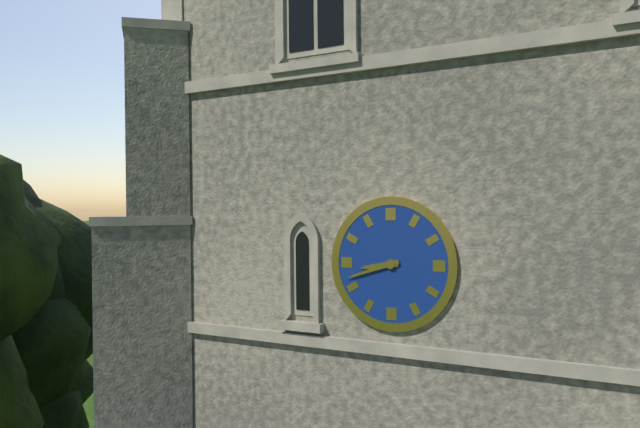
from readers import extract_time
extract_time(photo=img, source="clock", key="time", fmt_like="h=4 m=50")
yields h=8 m=42
